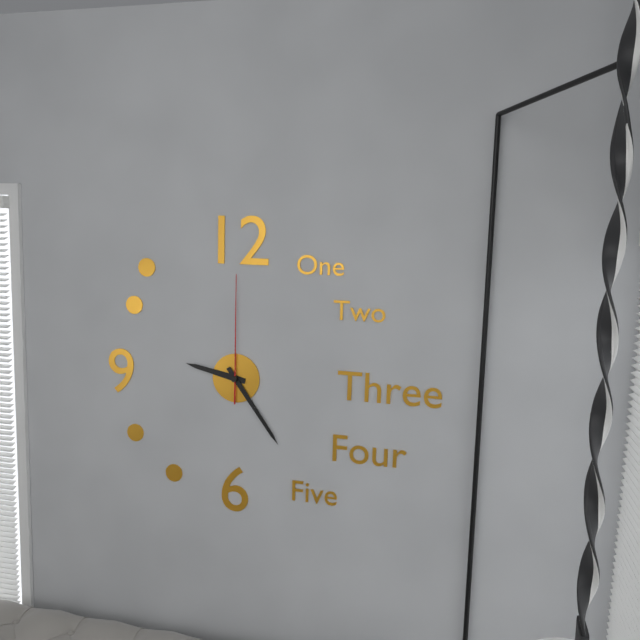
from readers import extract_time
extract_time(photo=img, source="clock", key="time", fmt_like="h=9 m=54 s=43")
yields h=9 m=24 s=0
